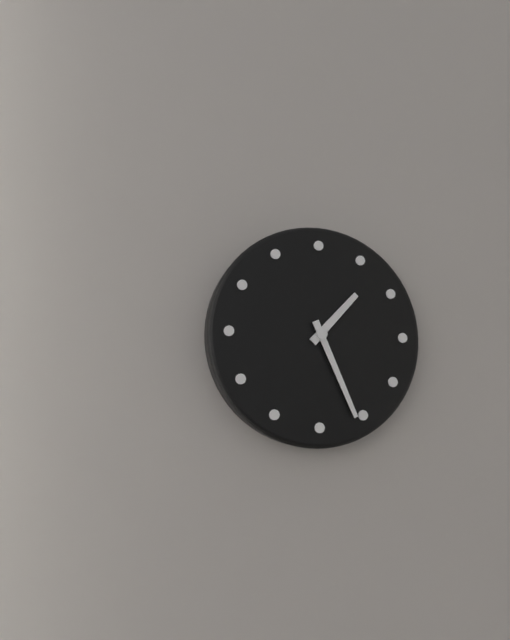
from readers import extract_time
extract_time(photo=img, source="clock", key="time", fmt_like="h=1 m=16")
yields h=1 m=26
